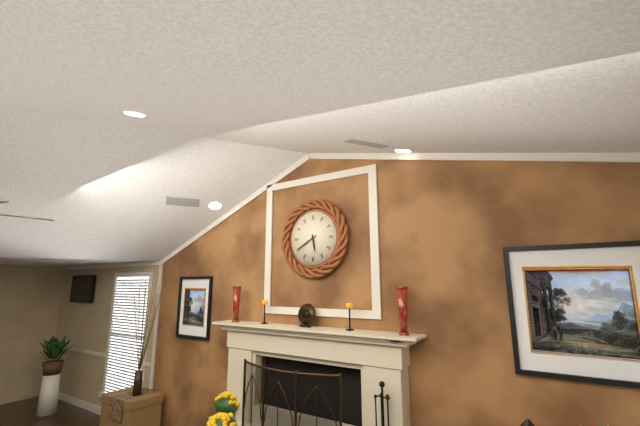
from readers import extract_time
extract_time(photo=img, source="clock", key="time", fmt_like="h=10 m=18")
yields h=5 m=40
